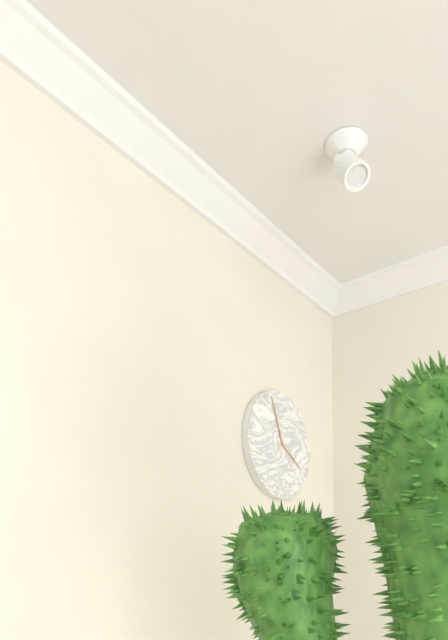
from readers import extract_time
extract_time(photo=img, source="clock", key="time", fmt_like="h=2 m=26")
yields h=3 m=56
